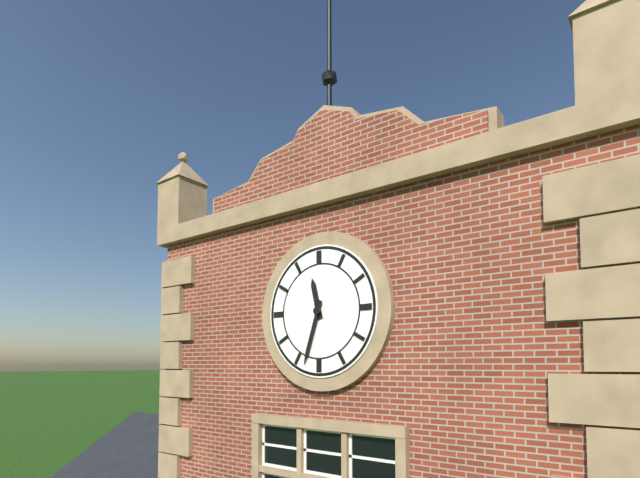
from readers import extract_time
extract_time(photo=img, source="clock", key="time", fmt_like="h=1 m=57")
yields h=11 m=33
